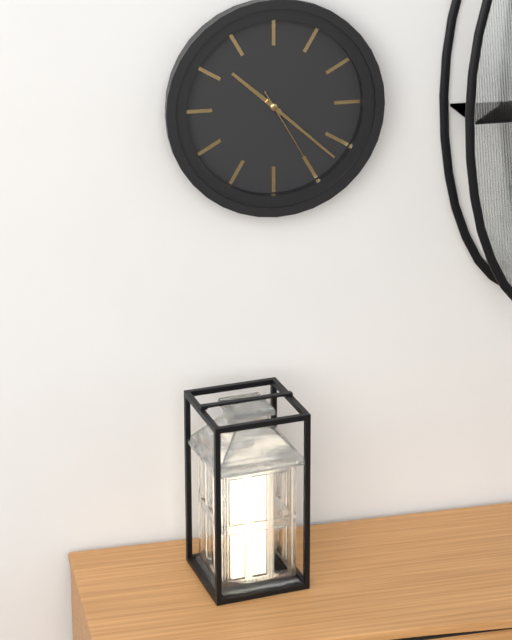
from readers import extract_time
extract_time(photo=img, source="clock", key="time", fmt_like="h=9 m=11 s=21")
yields h=10 m=22 s=25
